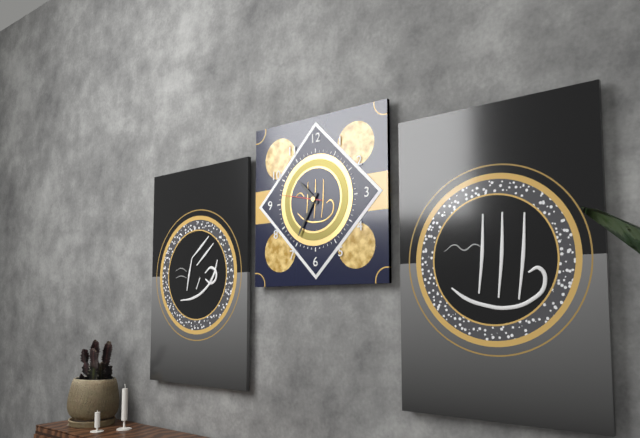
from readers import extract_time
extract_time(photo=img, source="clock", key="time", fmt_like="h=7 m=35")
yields h=10 m=35
